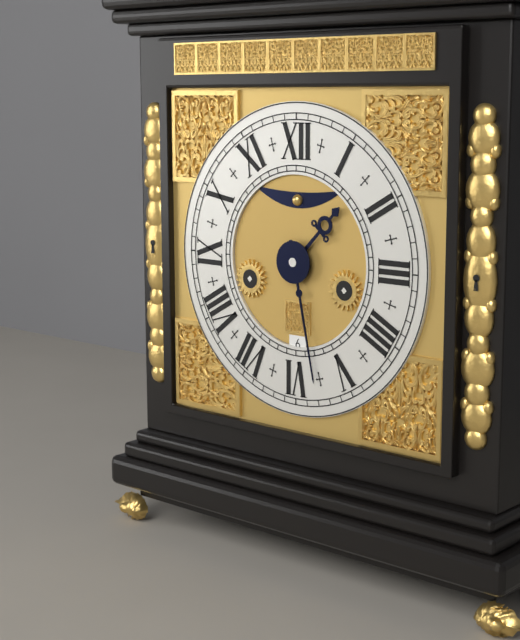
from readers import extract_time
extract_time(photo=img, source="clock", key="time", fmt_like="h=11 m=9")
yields h=1 m=28
